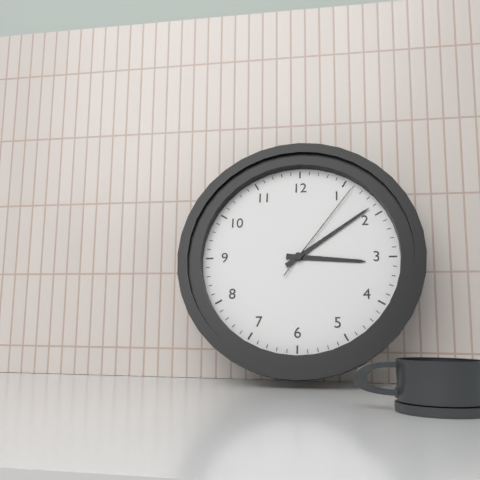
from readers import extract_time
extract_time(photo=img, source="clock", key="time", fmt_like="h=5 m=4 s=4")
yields h=3 m=9 s=6
